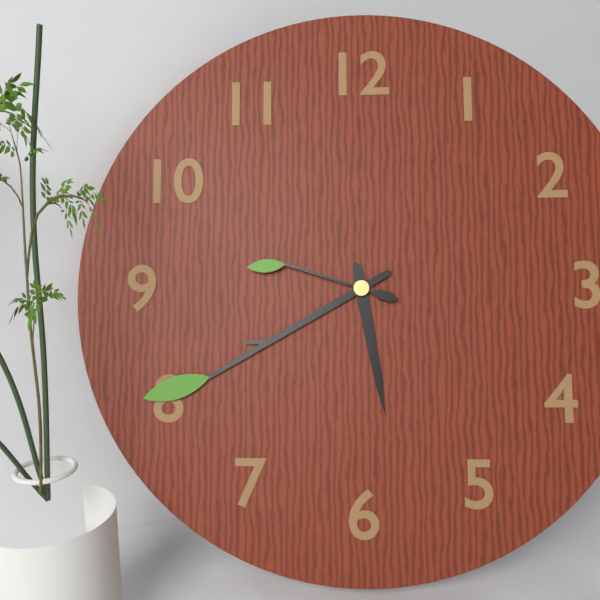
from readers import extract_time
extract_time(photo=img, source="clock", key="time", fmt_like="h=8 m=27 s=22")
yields h=5 m=40 s=48
